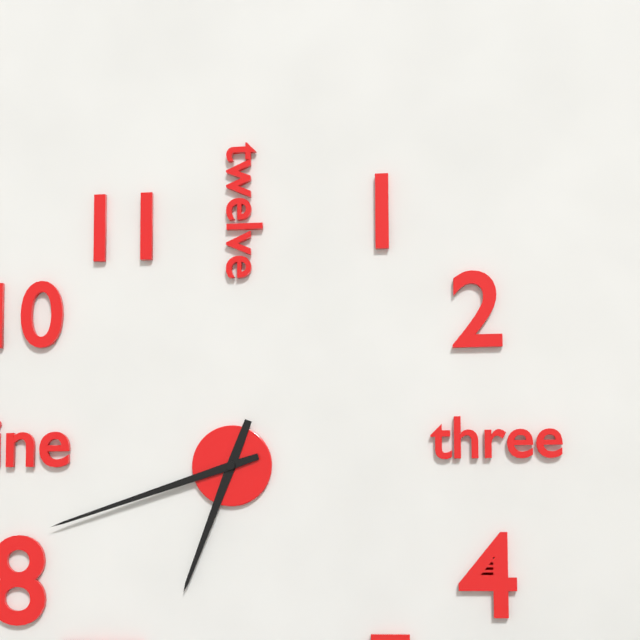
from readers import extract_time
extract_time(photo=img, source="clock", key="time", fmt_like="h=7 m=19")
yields h=6 m=42
